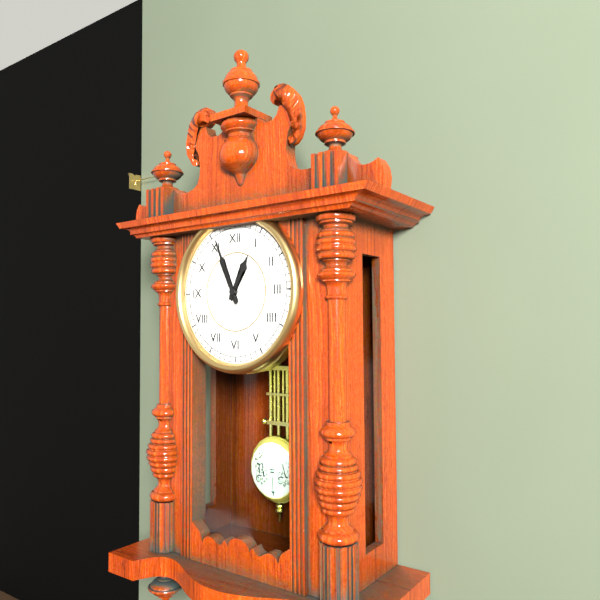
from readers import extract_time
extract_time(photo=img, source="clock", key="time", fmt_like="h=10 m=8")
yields h=12 m=56
